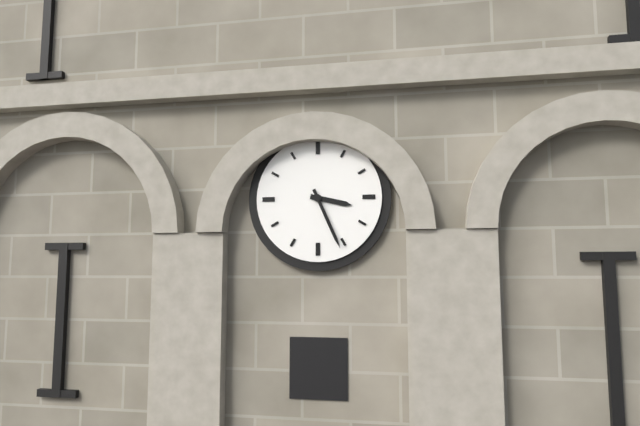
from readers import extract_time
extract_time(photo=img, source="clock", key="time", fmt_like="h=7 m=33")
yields h=3 m=26
